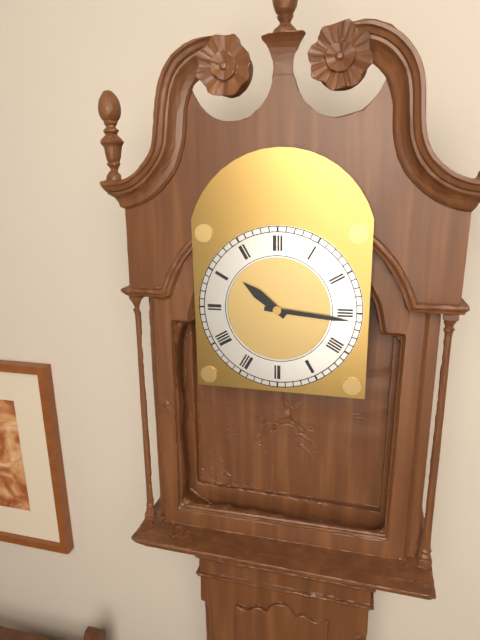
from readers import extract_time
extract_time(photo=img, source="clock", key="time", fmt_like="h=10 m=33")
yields h=10 m=16
